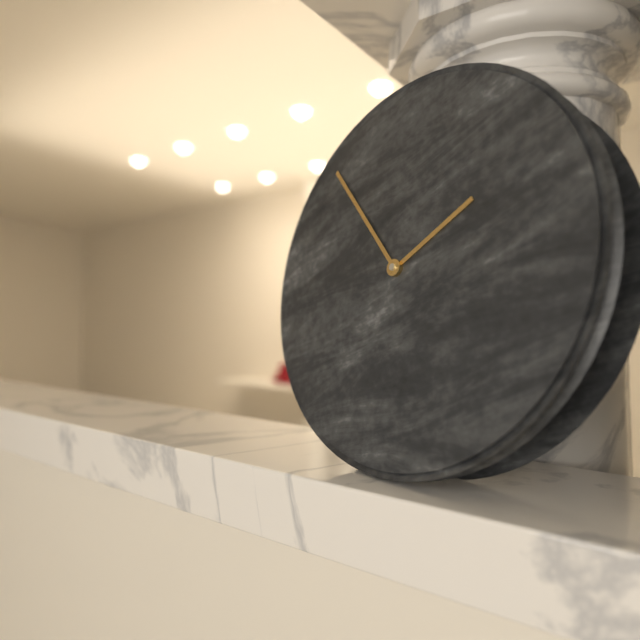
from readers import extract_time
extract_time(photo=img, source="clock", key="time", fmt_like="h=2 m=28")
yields h=1 m=53
